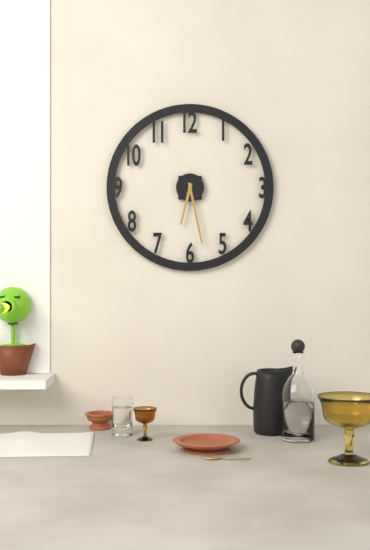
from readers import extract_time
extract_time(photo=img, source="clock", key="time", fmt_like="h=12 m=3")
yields h=6 m=28
